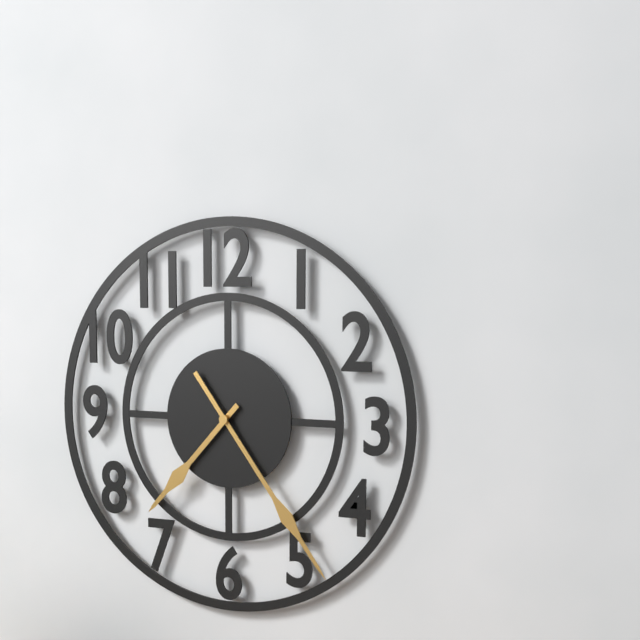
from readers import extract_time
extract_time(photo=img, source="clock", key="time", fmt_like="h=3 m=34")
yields h=7 m=24
